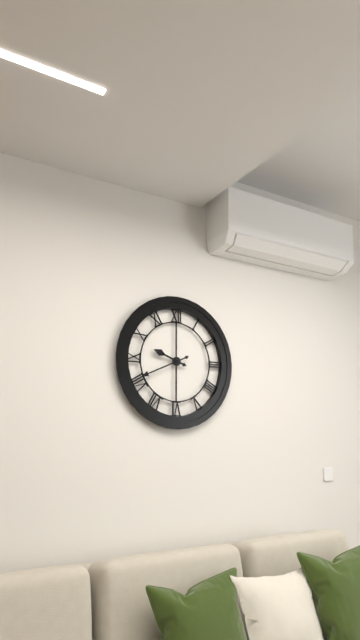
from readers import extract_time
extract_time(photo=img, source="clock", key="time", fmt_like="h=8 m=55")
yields h=9 m=41
